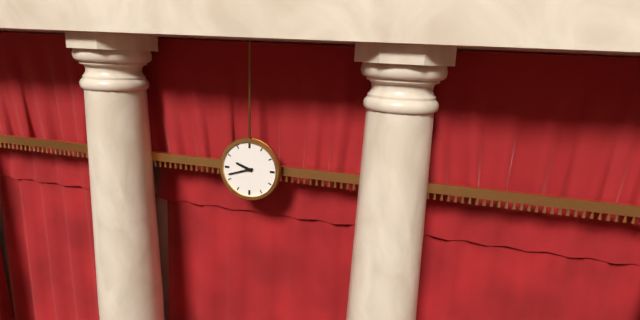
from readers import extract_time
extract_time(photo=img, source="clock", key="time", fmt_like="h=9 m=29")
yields h=9 m=42
